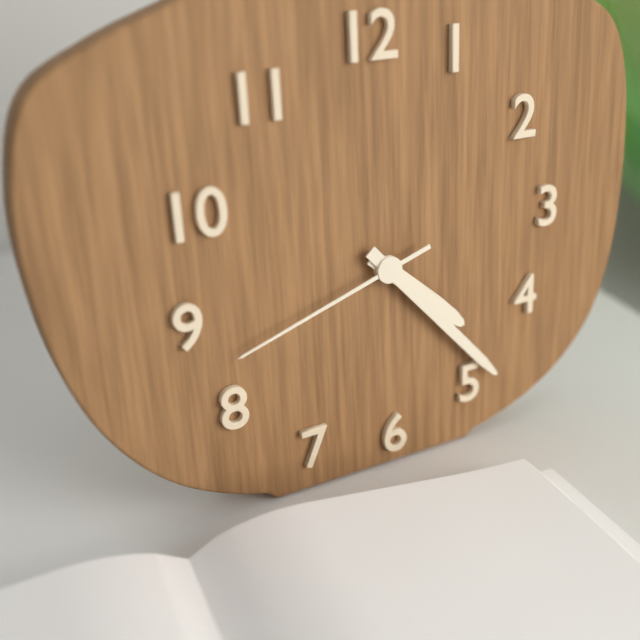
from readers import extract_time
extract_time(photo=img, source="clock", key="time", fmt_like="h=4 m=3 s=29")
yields h=4 m=23 s=42
